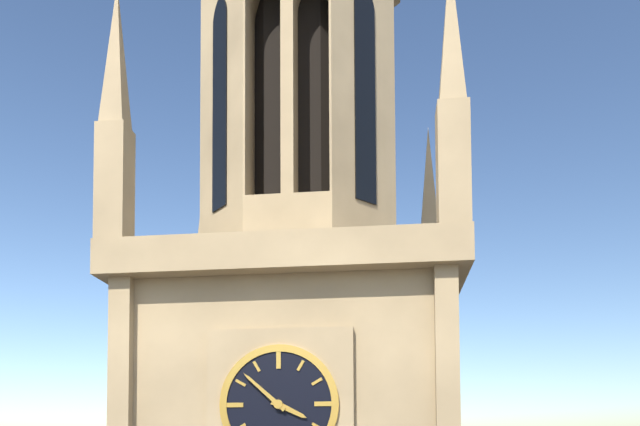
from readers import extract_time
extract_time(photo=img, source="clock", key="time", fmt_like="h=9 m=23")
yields h=3 m=52
